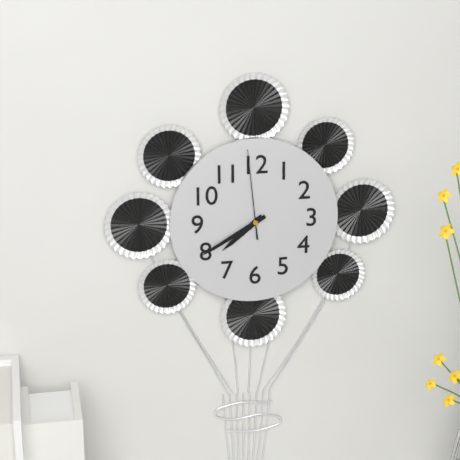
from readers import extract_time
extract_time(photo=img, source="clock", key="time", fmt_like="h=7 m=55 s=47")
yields h=7 m=40 s=59
